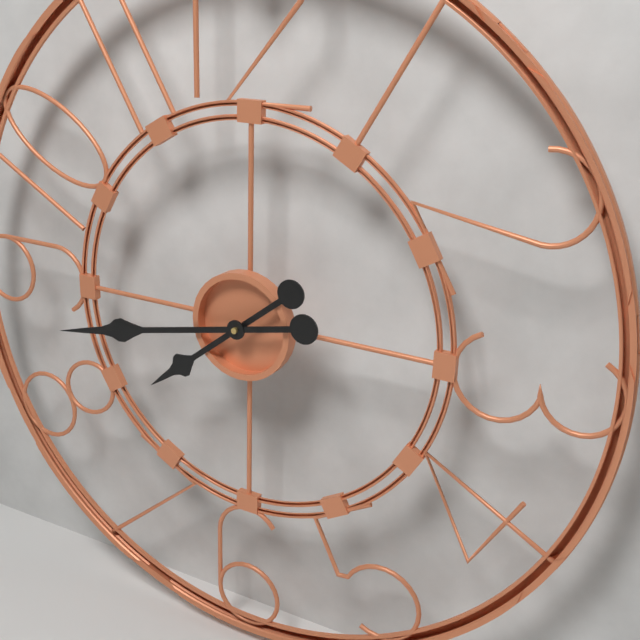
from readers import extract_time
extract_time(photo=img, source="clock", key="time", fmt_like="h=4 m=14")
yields h=7 m=43
